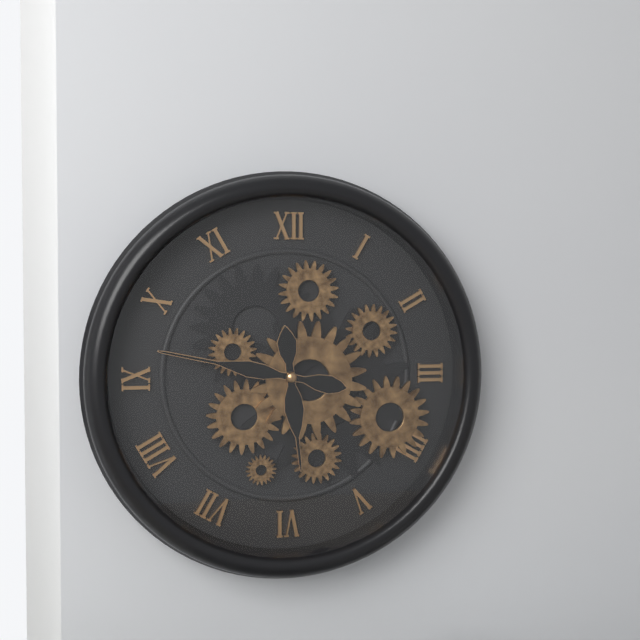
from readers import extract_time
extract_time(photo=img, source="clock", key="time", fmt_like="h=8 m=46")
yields h=5 m=47
